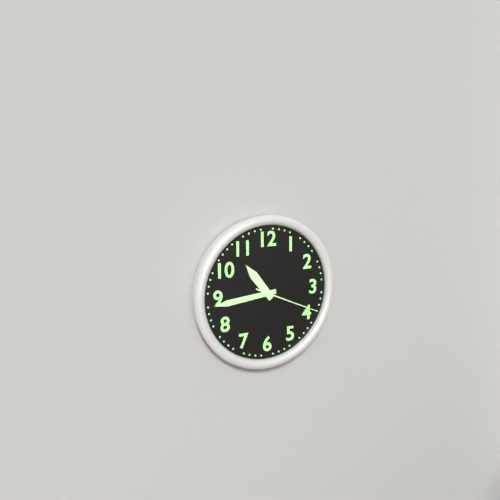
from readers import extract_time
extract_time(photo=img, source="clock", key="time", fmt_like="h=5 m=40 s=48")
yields h=10 m=44 s=19
